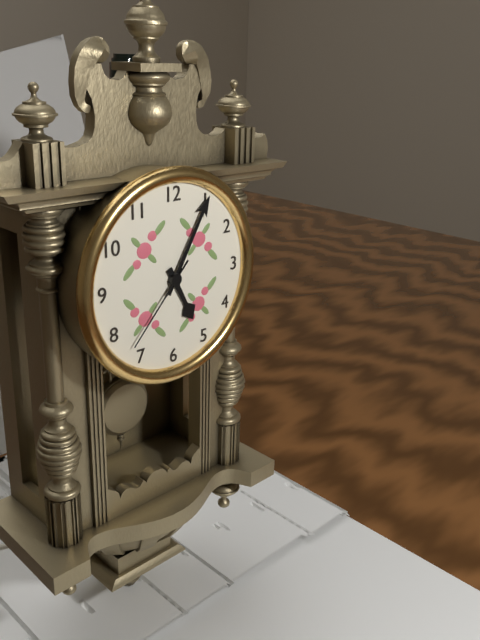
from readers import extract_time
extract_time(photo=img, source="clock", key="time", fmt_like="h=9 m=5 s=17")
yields h=5 m=5 s=37
